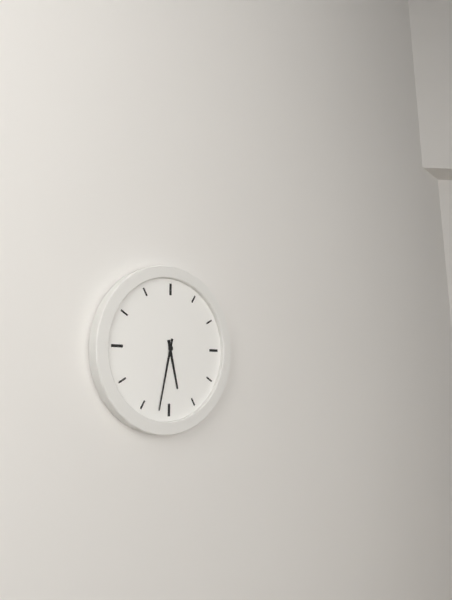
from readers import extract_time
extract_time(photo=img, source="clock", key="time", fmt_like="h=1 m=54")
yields h=5 m=32
